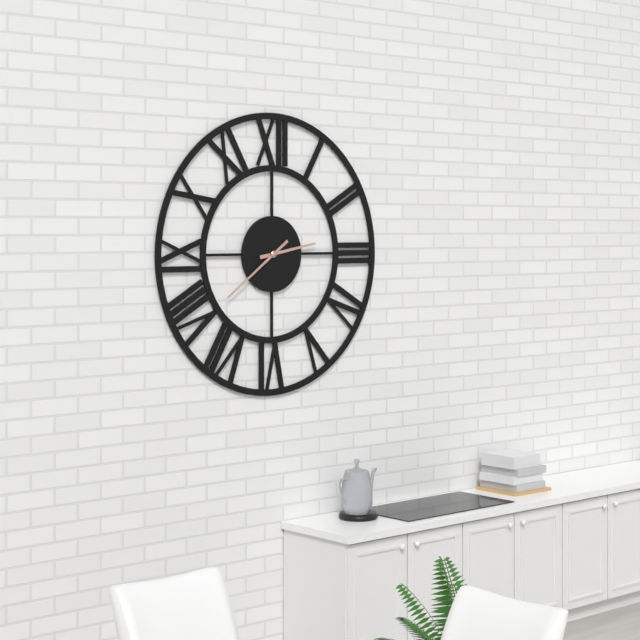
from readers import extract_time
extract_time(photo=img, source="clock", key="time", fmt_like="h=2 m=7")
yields h=2 m=39
